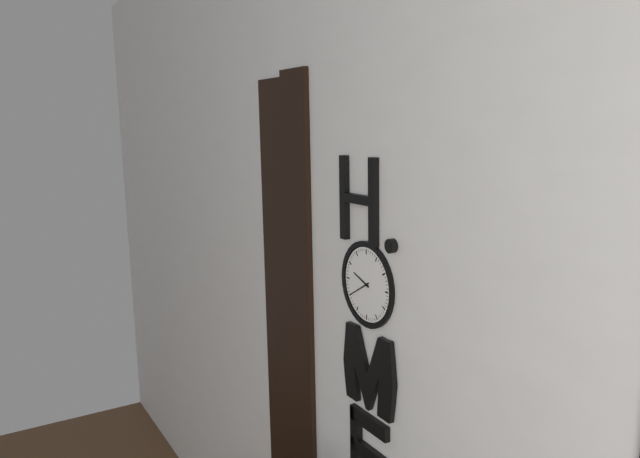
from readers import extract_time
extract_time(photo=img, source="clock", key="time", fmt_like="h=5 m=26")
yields h=9 m=40
